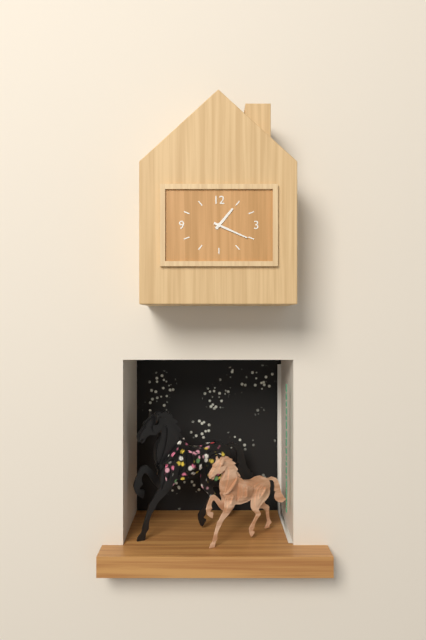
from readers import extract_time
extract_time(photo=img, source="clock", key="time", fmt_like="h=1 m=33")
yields h=1 m=19
